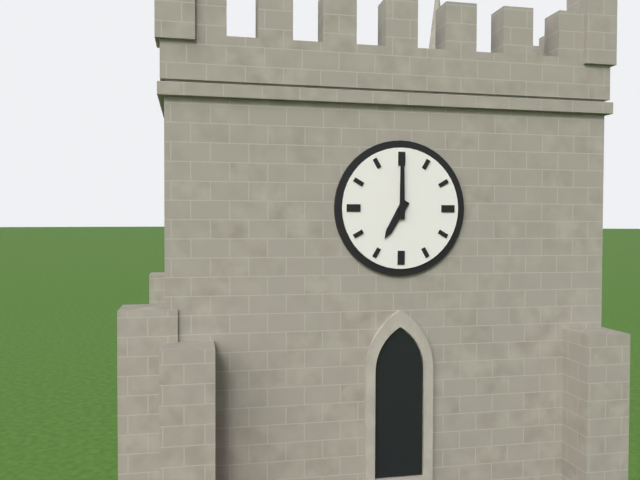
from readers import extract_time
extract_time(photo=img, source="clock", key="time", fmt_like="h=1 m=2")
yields h=7 m=0
